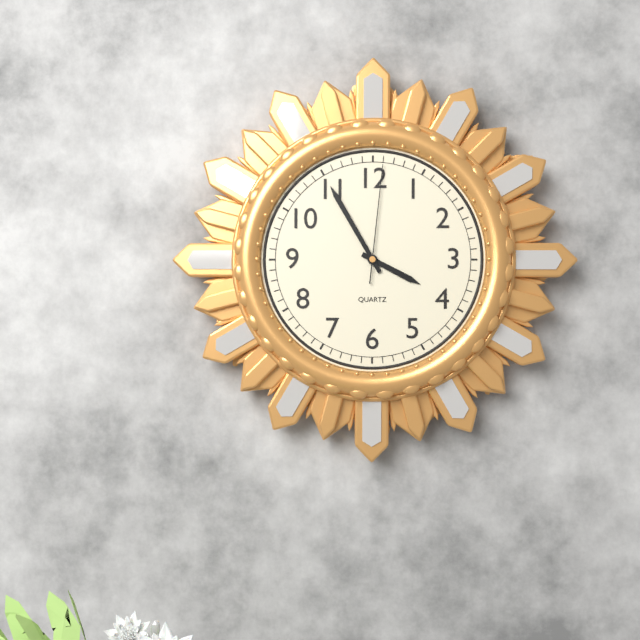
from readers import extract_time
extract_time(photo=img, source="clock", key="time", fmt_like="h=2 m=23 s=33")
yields h=3 m=55 s=1
